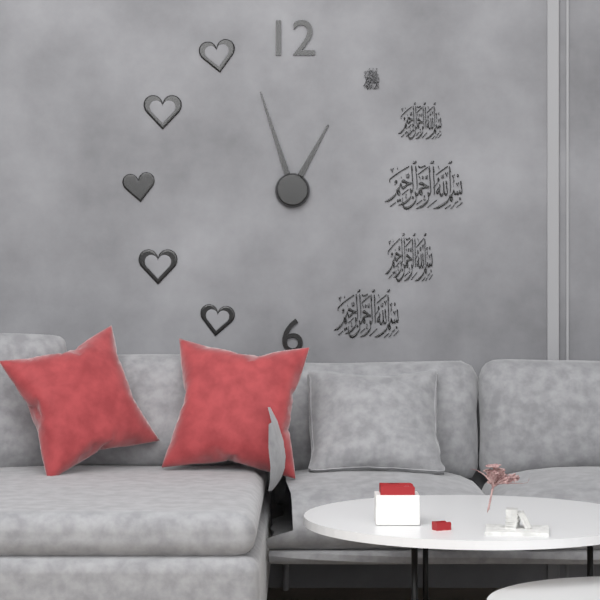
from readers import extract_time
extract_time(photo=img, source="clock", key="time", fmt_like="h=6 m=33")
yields h=12 m=57
